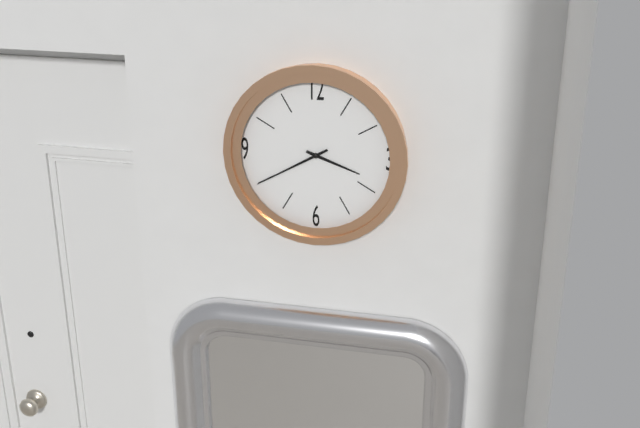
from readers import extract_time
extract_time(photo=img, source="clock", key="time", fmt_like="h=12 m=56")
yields h=3 m=40
